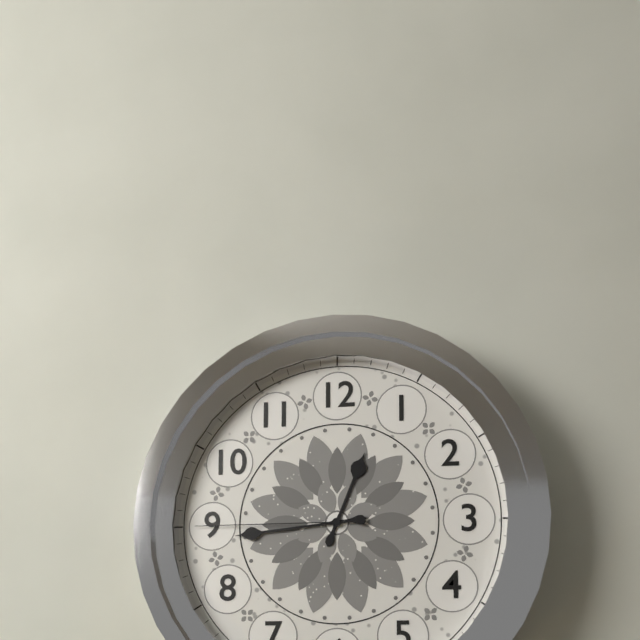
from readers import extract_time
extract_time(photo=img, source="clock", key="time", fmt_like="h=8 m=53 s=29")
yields h=12 m=44 s=45
